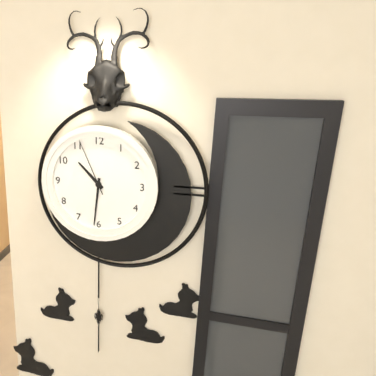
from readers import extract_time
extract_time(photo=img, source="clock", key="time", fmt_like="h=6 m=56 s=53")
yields h=10 m=31 s=56
